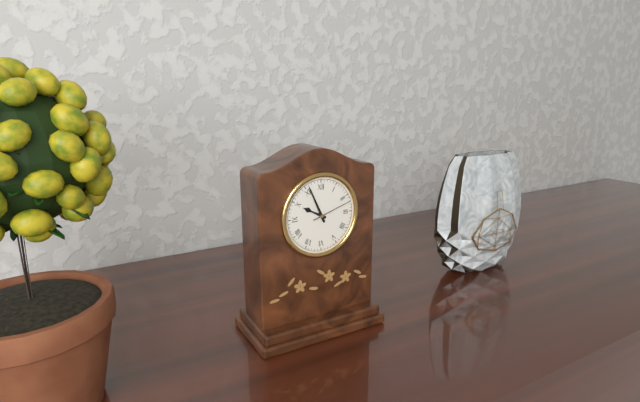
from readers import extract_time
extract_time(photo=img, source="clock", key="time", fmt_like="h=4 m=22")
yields h=9 m=56
